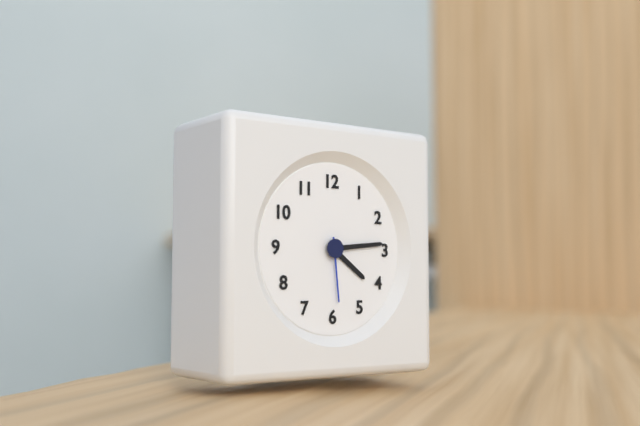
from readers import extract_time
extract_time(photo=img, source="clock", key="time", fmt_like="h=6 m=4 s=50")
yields h=4 m=14 s=29
